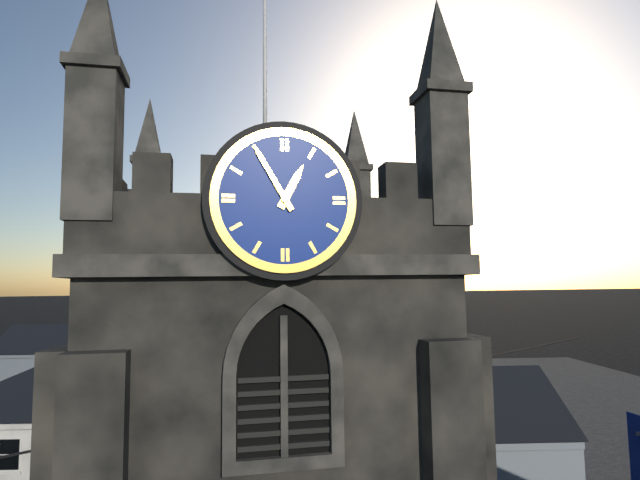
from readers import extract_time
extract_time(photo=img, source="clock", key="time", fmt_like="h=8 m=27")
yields h=12 m=55
